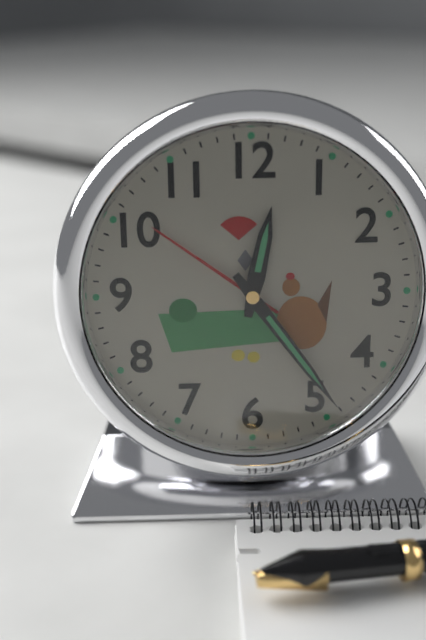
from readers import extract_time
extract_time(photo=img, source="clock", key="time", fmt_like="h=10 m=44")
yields h=12 m=24
